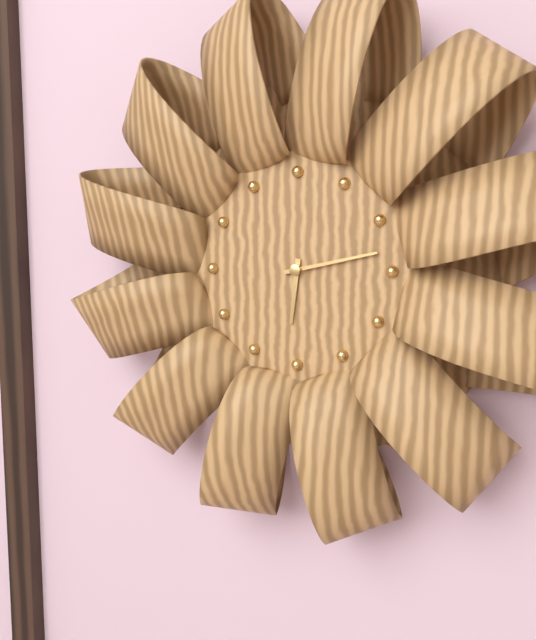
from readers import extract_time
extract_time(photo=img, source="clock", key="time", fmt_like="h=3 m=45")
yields h=6 m=13
